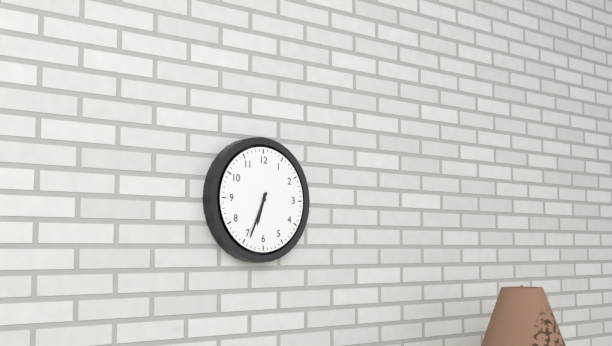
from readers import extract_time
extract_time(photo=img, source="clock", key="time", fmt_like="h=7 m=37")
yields h=6 m=34
